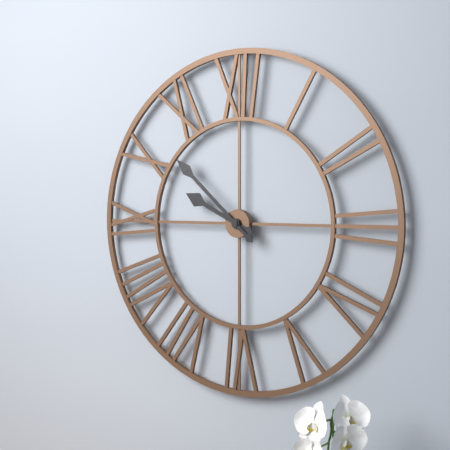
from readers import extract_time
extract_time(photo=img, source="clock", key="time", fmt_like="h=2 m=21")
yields h=9 m=52
